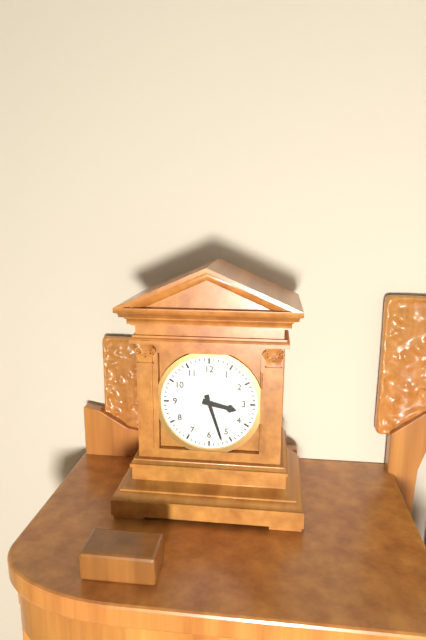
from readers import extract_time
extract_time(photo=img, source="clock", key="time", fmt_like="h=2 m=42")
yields h=3 m=27
